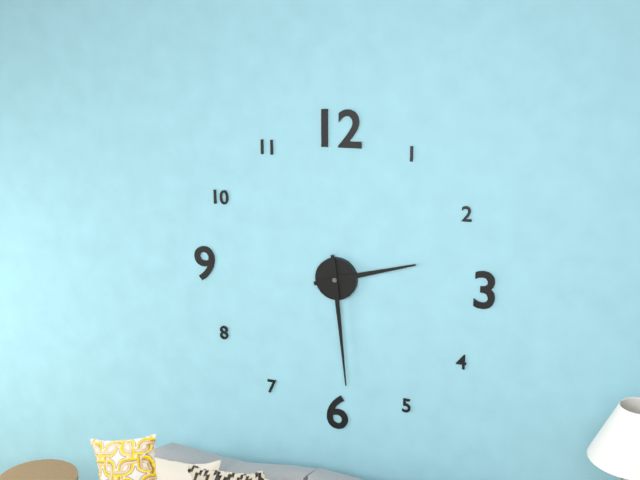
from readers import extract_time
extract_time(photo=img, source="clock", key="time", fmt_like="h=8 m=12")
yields h=2 m=29
